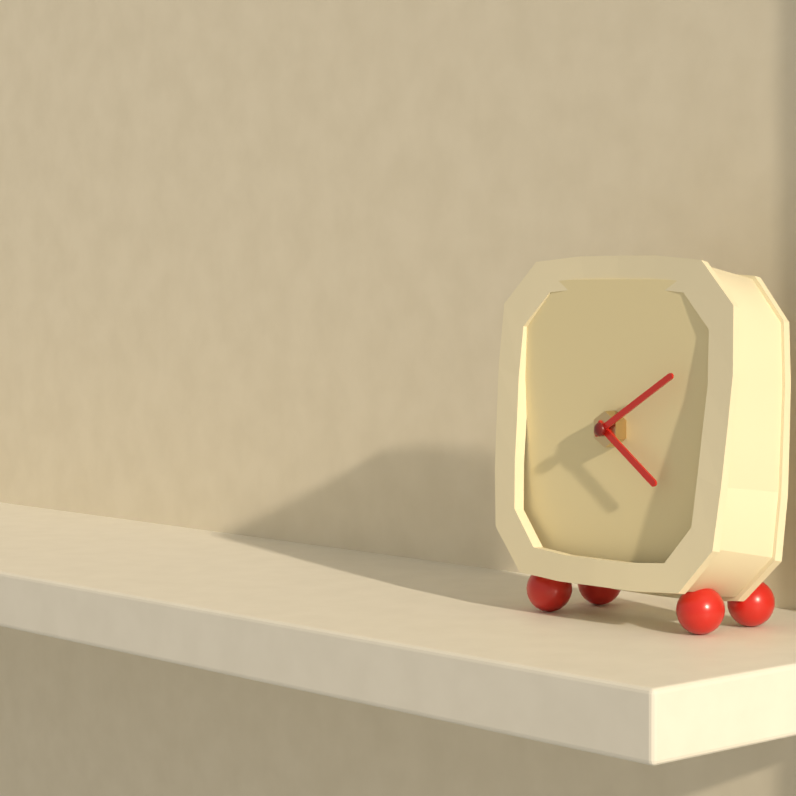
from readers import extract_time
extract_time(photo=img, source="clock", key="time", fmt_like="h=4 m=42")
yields h=4 m=10
